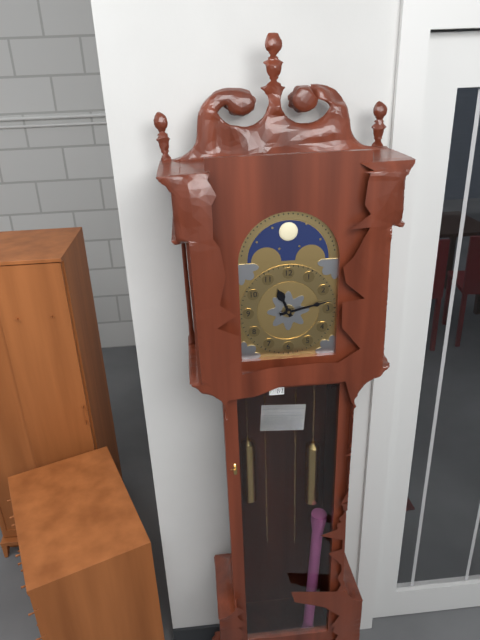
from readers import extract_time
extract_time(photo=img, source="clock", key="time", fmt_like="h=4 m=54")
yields h=11 m=13
